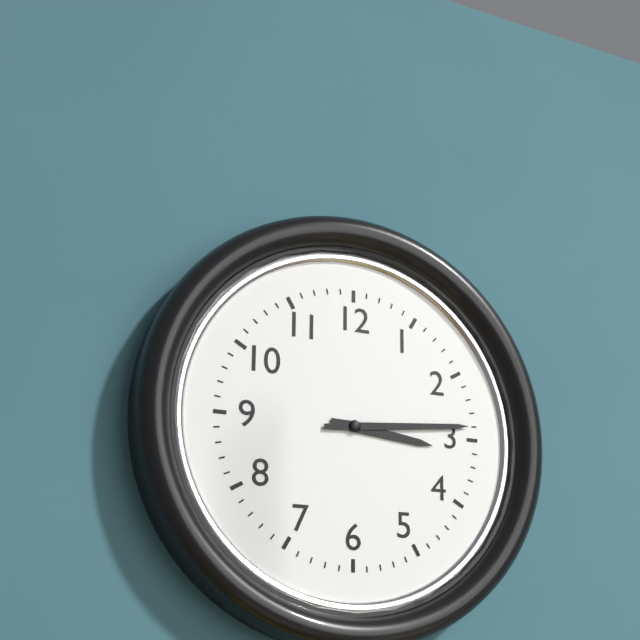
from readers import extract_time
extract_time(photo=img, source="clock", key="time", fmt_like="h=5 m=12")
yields h=3 m=14
